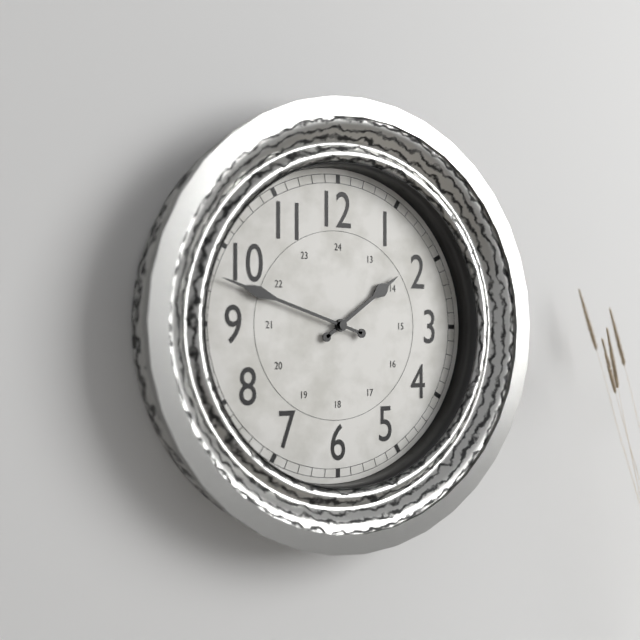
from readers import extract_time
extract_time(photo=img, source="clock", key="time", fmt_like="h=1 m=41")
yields h=1 m=48
